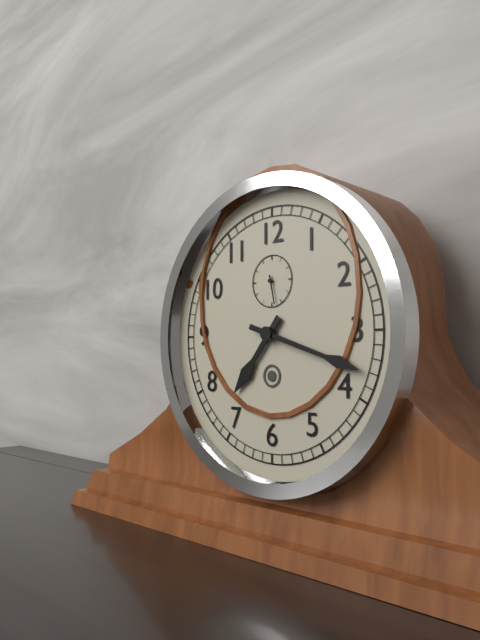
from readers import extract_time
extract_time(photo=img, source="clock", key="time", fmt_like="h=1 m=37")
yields h=7 m=18
